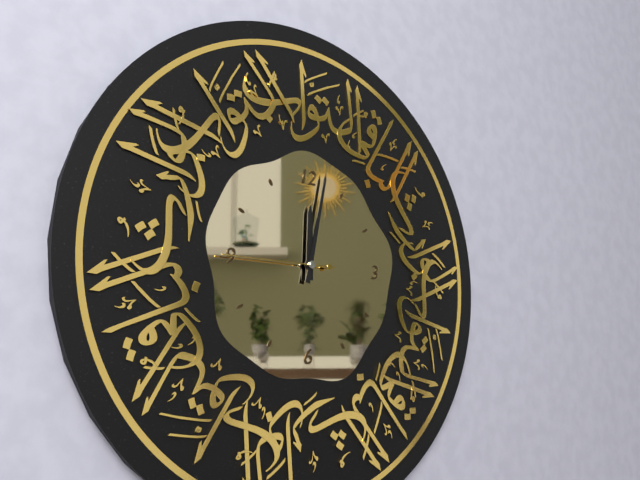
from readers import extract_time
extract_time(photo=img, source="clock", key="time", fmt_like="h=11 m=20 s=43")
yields h=12 m=2 s=45
